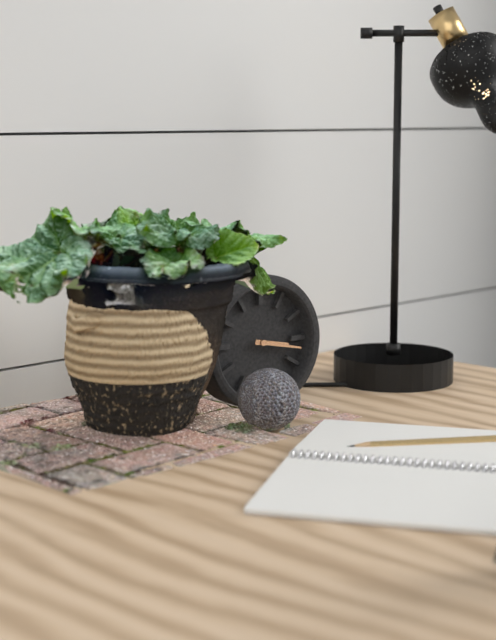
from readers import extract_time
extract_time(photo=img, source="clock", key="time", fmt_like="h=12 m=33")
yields h=3 m=17
